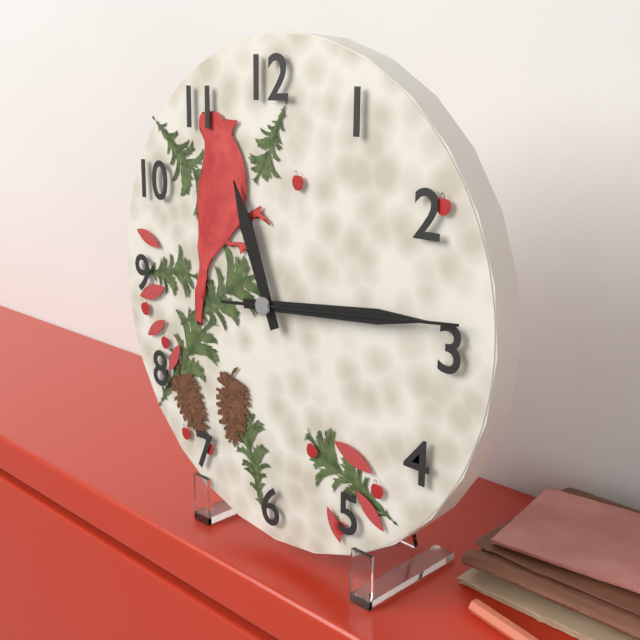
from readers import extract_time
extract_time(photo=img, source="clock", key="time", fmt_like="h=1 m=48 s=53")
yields h=11 m=14 s=14
